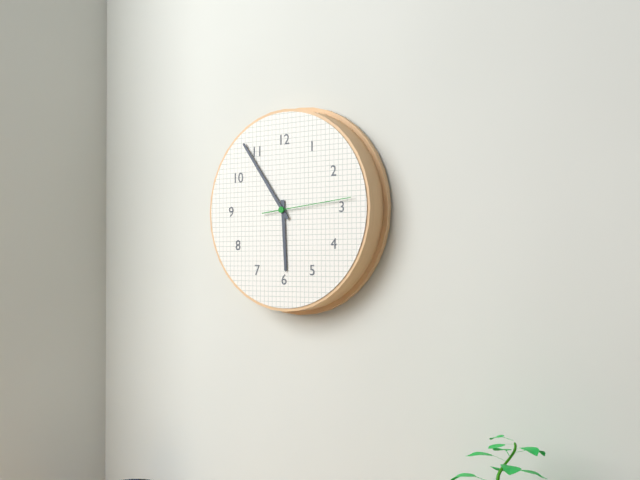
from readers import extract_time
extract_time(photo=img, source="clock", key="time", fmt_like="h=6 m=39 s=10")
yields h=5 m=54 s=14
